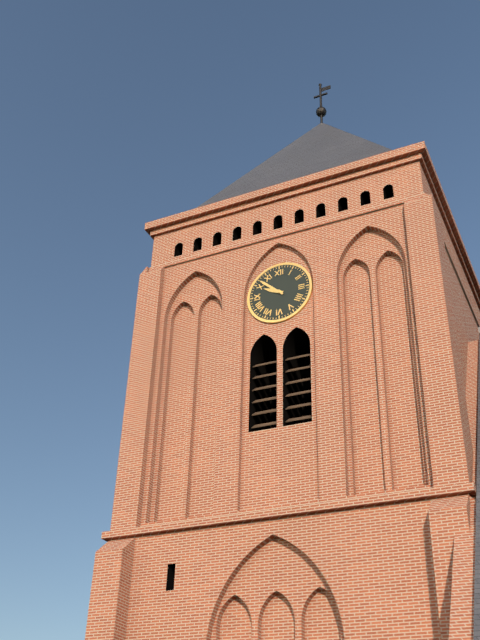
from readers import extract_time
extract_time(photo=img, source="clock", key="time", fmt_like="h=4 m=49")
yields h=9 m=52
